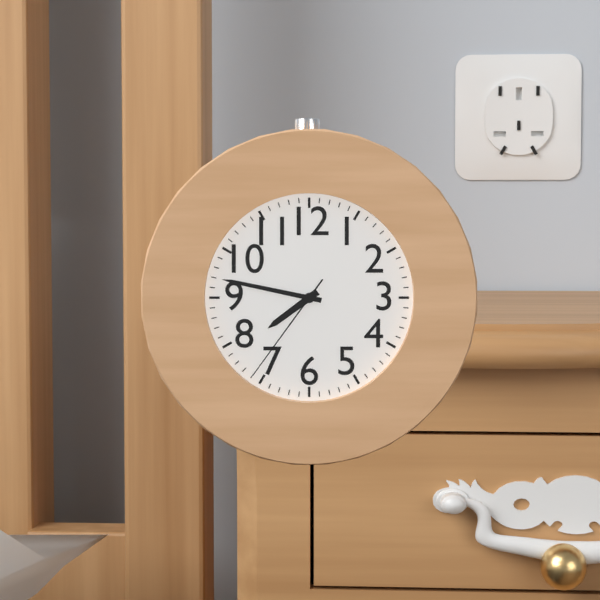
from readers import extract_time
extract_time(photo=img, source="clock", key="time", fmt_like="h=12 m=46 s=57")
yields h=7 m=47 s=36
